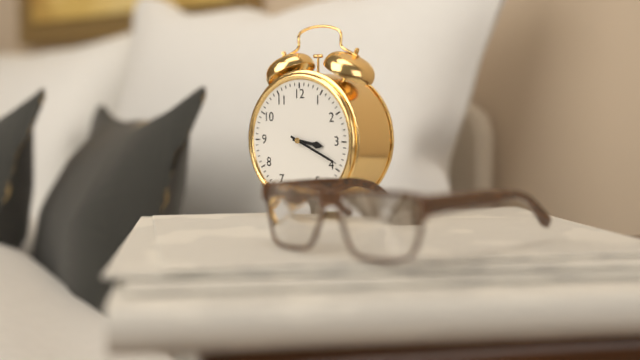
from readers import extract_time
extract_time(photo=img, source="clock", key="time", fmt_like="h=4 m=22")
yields h=3 m=19
